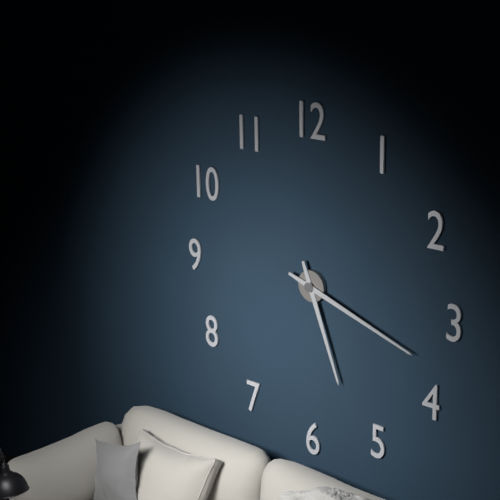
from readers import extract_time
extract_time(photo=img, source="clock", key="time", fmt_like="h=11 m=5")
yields h=5 m=18
